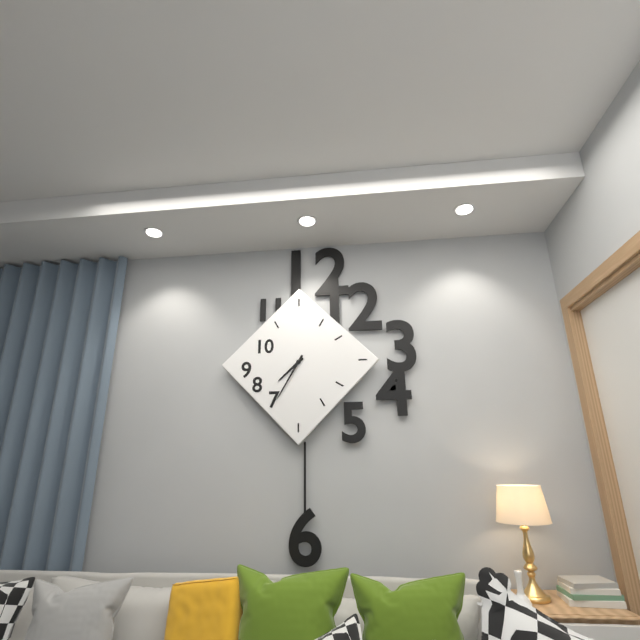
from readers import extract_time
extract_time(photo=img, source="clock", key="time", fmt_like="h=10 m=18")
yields h=7 m=35
